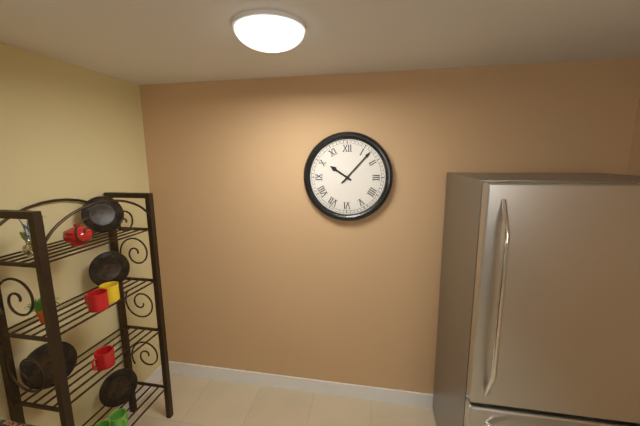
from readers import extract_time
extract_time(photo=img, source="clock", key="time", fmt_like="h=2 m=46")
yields h=10 m=7
